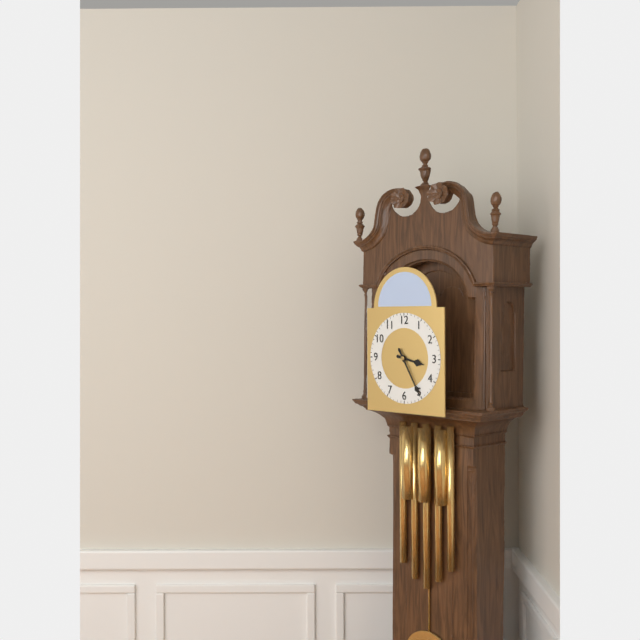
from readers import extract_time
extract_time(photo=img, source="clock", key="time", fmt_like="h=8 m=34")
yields h=3 m=25
